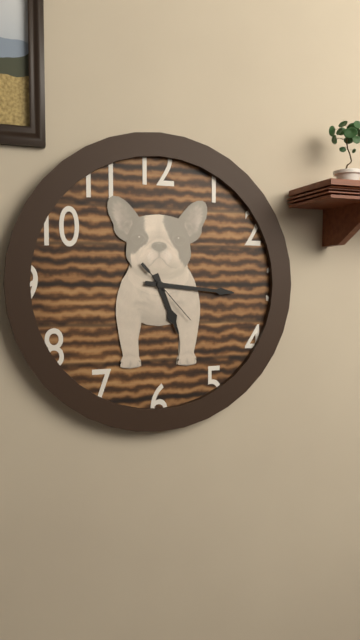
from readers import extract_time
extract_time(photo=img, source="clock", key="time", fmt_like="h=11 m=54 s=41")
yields h=5 m=16 s=23
